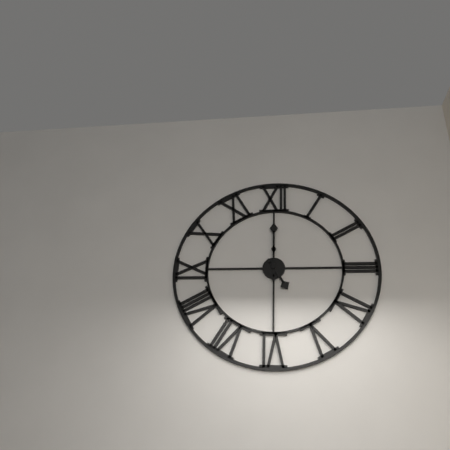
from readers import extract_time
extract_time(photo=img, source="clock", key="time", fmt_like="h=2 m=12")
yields h=5 m=0
